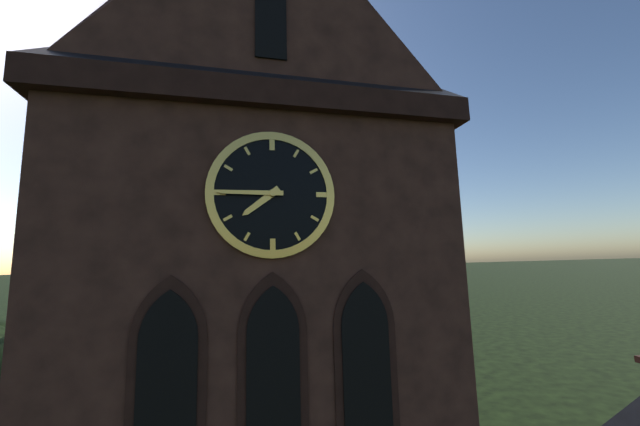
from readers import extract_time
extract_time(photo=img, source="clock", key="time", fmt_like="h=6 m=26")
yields h=7 m=45
